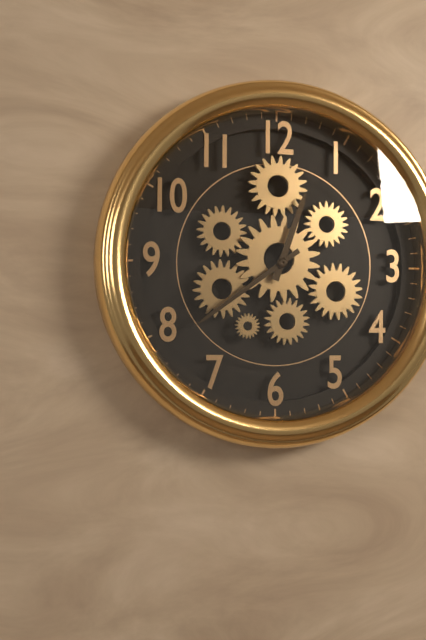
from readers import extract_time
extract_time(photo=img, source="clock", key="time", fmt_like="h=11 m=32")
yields h=12 m=39
